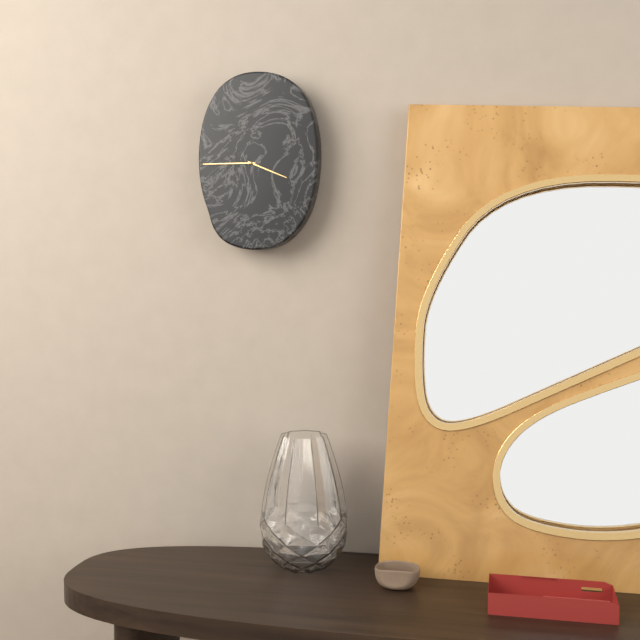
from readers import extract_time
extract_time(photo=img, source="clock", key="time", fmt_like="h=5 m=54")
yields h=3 m=45
